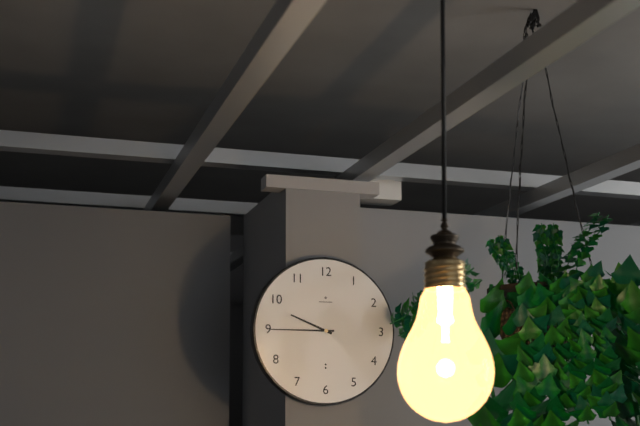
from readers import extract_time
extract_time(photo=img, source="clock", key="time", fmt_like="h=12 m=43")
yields h=9 m=45
